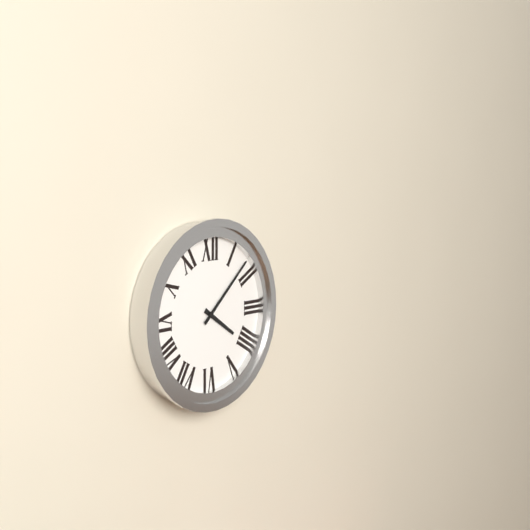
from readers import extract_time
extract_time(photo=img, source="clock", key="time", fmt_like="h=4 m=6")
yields h=4 m=8
